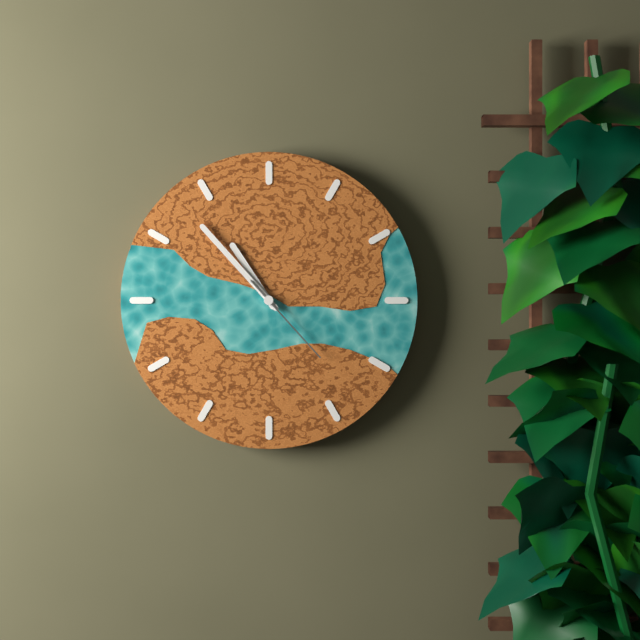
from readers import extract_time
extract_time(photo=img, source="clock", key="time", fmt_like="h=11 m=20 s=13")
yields h=10 m=53 s=23
